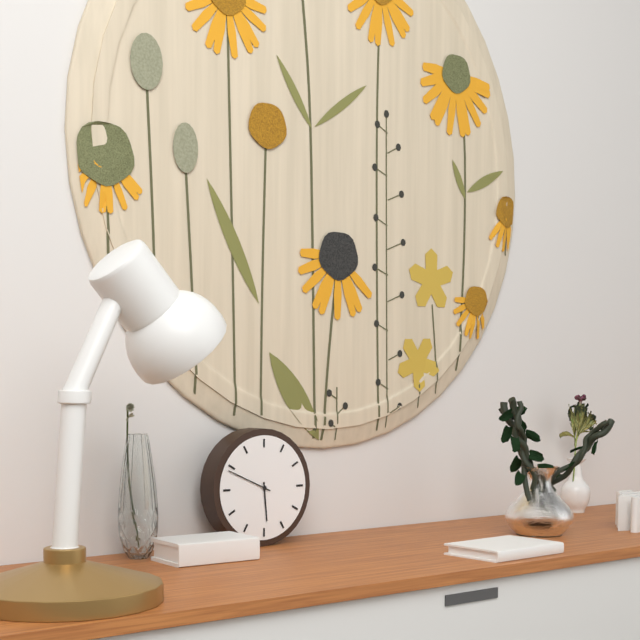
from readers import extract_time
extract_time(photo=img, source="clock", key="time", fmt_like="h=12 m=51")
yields h=5 m=49
